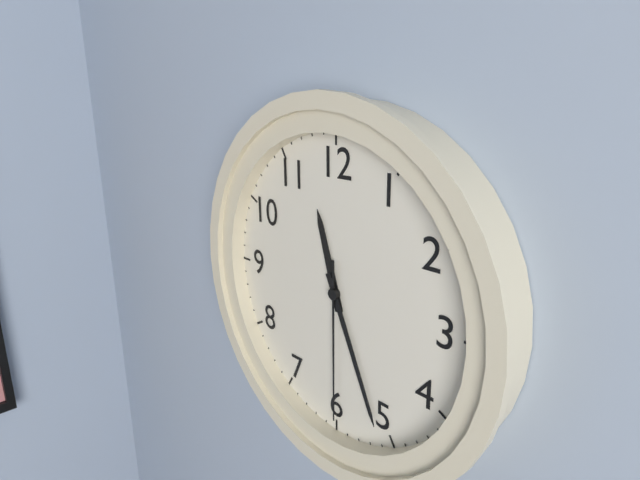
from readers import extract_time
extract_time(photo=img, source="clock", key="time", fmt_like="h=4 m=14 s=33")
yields h=11 m=26 s=30
